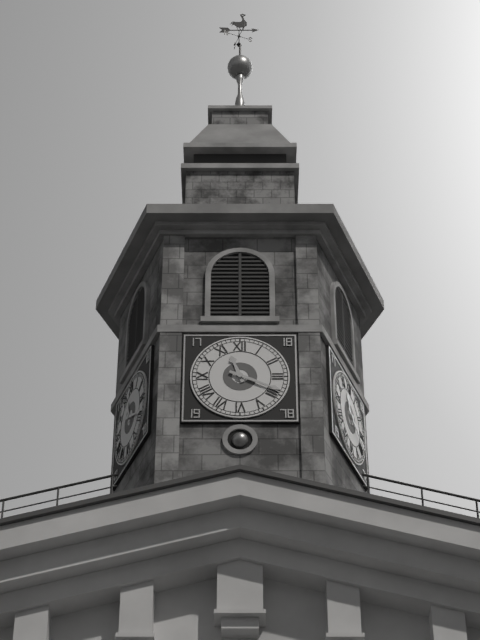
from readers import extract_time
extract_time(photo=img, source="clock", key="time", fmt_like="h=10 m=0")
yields h=11 m=19
